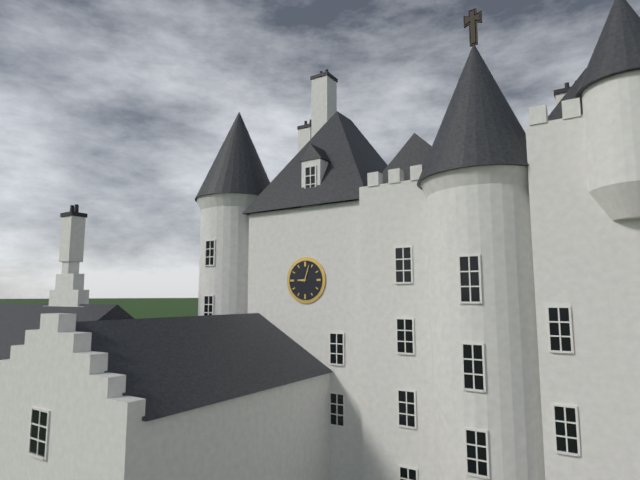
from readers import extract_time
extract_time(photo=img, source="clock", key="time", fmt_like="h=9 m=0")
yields h=9 m=3
